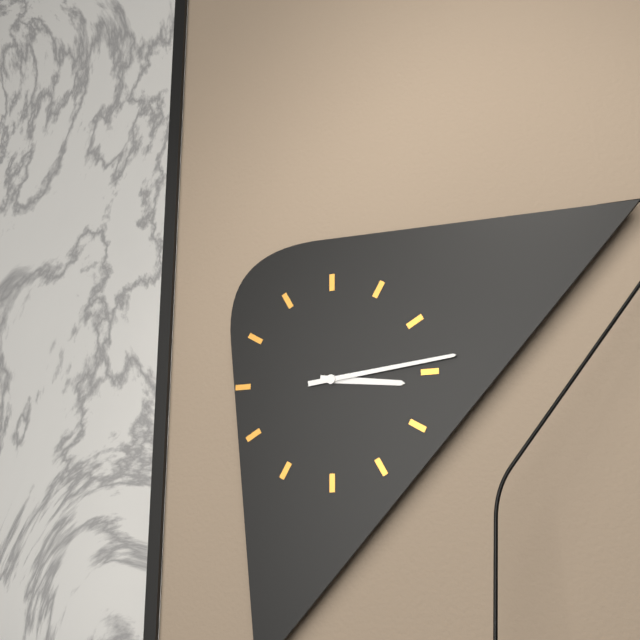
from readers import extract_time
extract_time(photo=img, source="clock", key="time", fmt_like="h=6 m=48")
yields h=3 m=14
